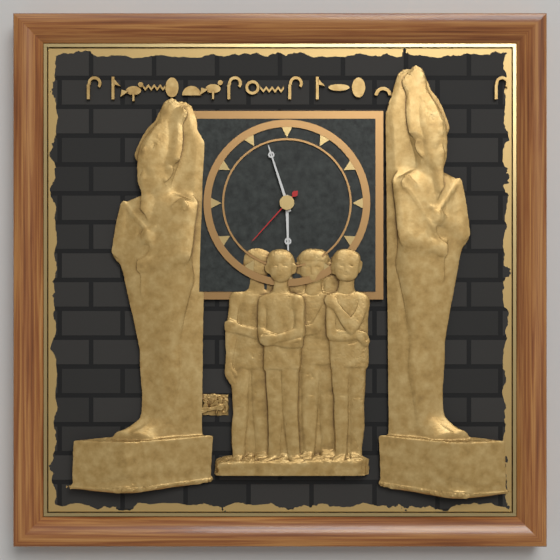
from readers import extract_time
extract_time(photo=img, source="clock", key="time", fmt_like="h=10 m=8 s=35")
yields h=5 m=57 s=37
